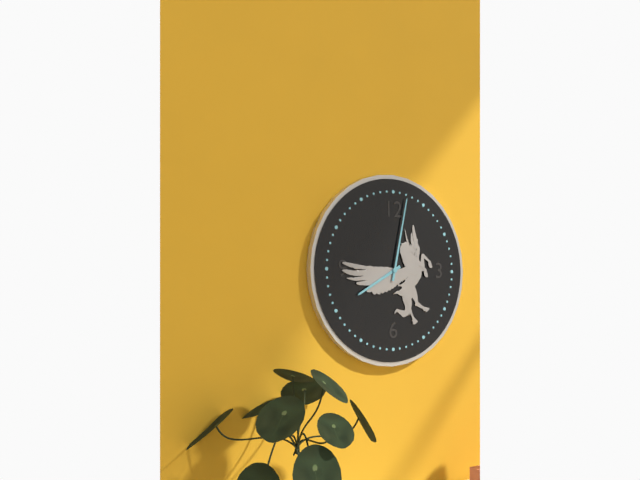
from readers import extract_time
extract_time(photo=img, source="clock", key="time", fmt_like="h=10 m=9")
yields h=8 m=2
